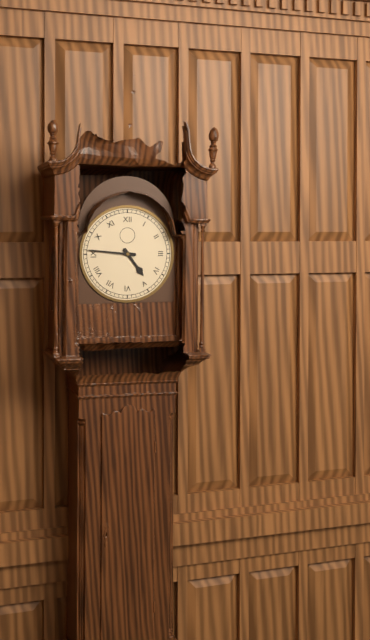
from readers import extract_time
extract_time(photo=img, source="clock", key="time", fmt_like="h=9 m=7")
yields h=4 m=46
